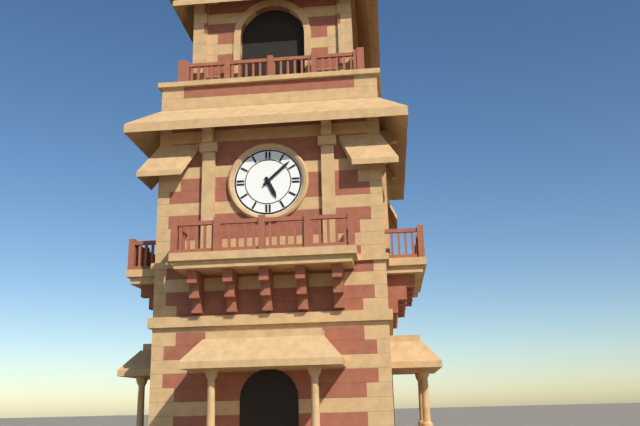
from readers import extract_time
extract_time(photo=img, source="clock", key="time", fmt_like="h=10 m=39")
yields h=5 m=8
